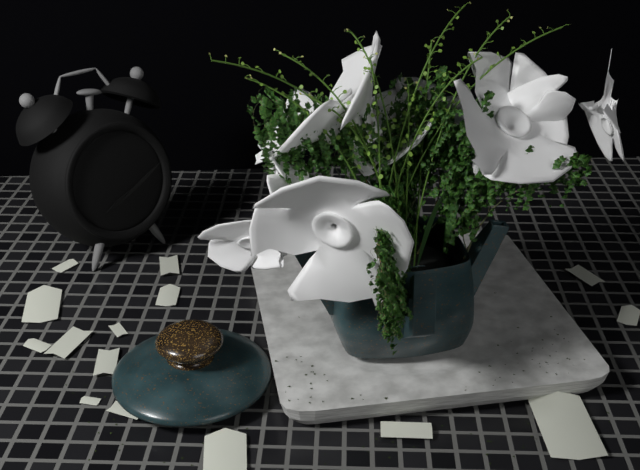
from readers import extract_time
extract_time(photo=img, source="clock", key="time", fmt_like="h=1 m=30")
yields h=8 m=10
